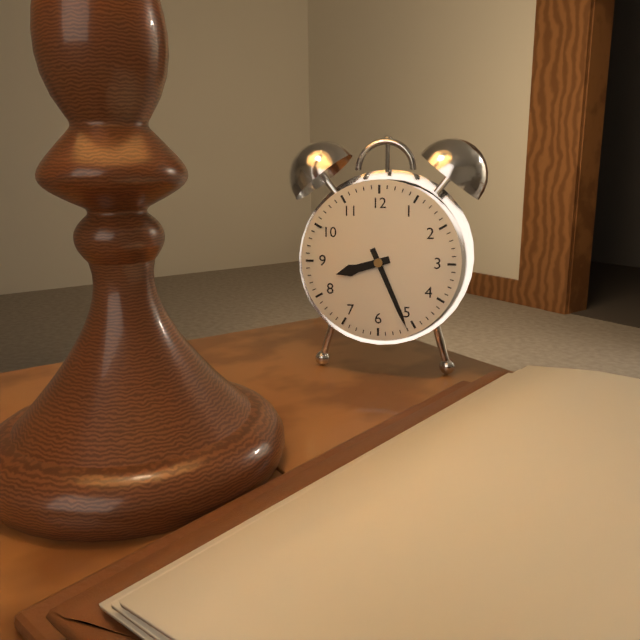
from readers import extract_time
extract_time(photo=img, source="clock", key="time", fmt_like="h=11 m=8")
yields h=8 m=26
